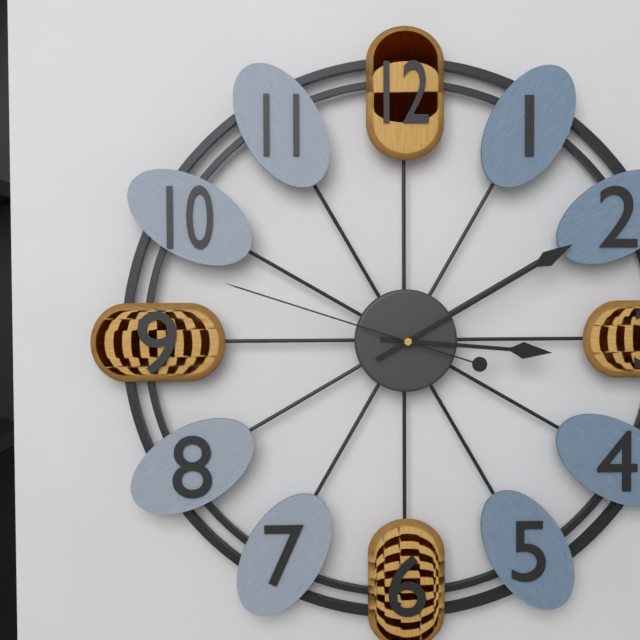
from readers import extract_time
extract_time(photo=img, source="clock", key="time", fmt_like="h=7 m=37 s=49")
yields h=3 m=10 s=48
